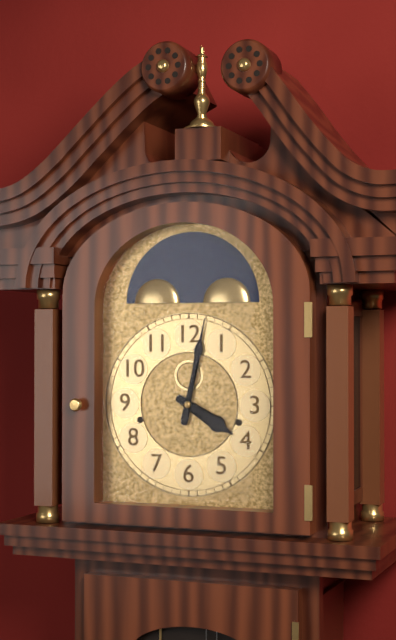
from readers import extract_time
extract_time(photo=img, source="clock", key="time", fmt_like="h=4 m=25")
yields h=4 m=2
